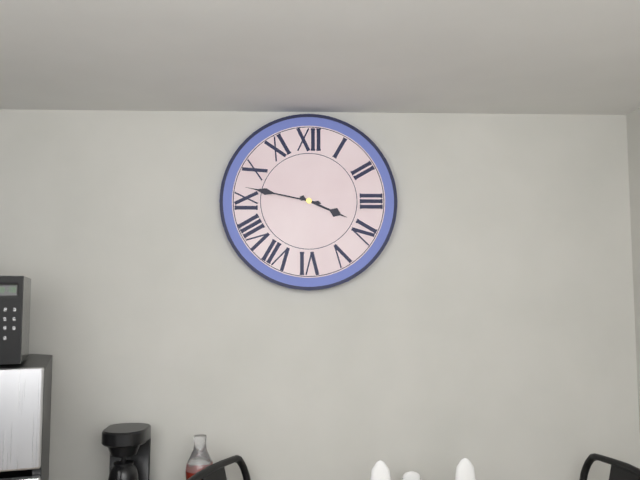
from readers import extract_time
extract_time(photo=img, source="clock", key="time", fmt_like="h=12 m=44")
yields h=3 m=47
